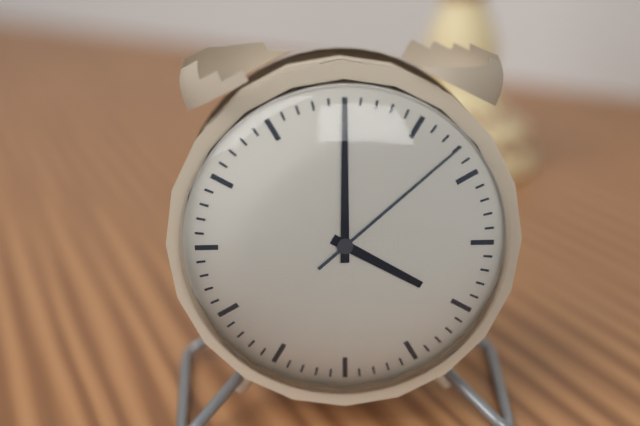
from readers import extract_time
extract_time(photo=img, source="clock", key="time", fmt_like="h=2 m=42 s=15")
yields h=4 m=0 s=8
